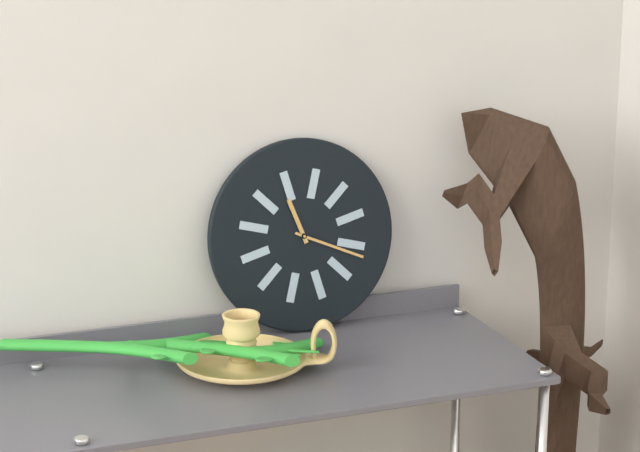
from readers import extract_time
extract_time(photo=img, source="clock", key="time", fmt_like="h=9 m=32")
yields h=11 m=19
